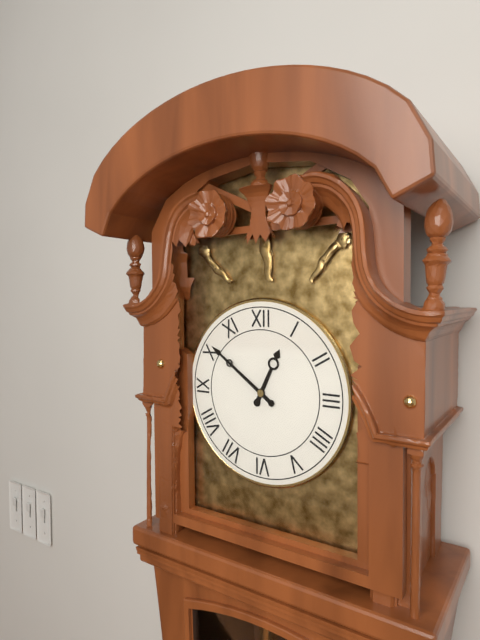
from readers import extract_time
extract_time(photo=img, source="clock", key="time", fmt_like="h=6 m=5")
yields h=12 m=51
